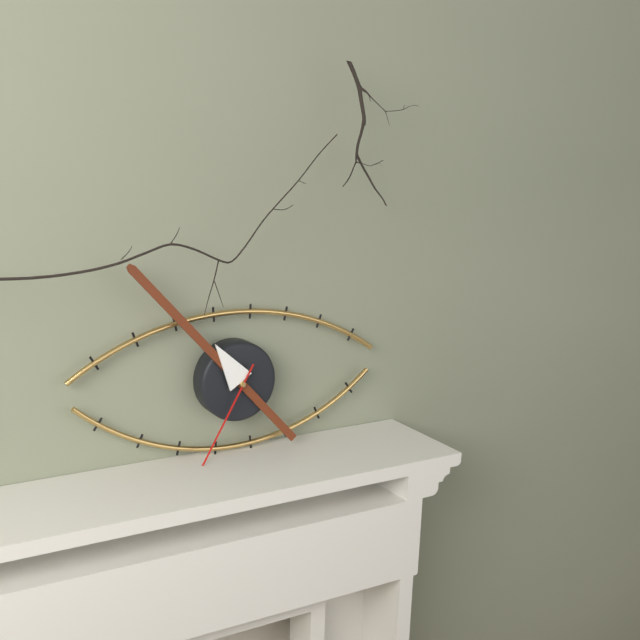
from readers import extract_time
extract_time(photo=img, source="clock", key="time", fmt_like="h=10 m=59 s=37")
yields h=10 m=53 s=35
